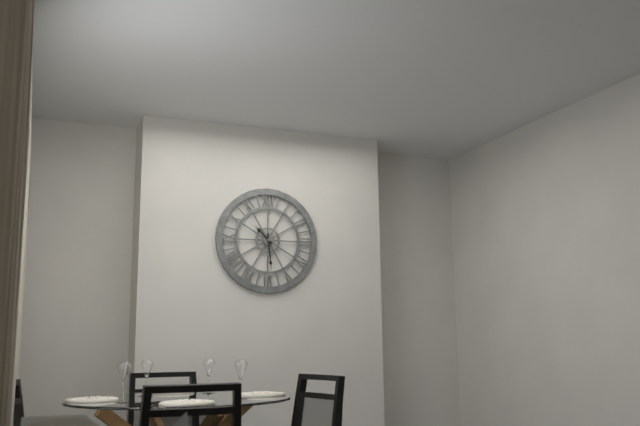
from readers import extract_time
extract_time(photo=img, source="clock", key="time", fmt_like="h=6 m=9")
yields h=10 m=29
